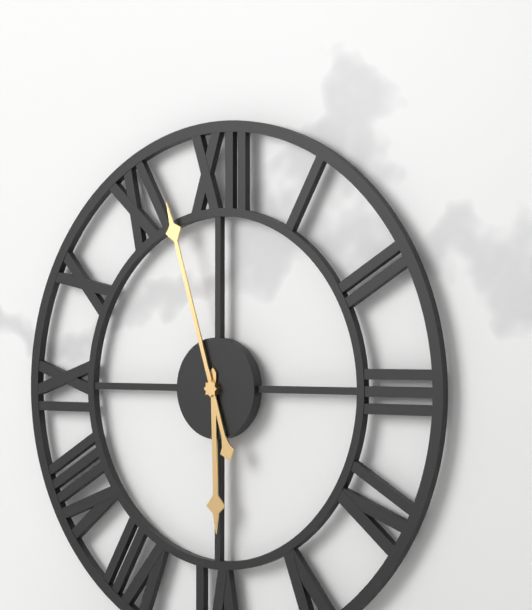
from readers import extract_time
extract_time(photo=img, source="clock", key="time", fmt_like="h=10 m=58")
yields h=5 m=57
